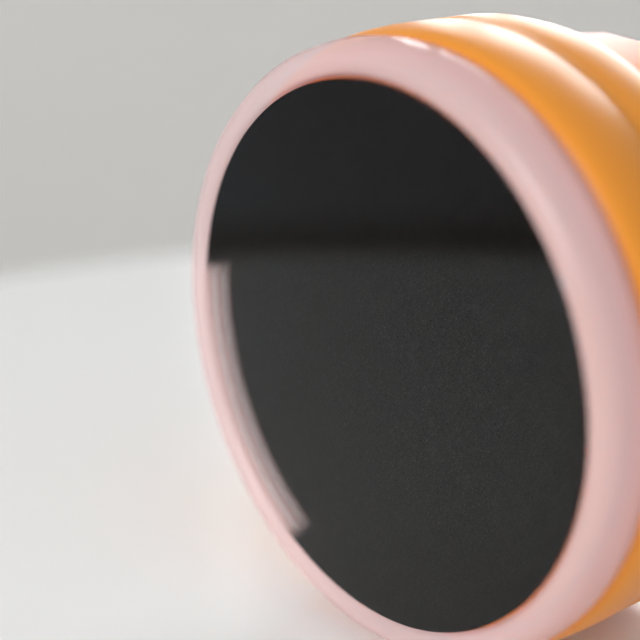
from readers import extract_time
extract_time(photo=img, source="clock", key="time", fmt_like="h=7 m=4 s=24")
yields h=5 m=22 s=51
